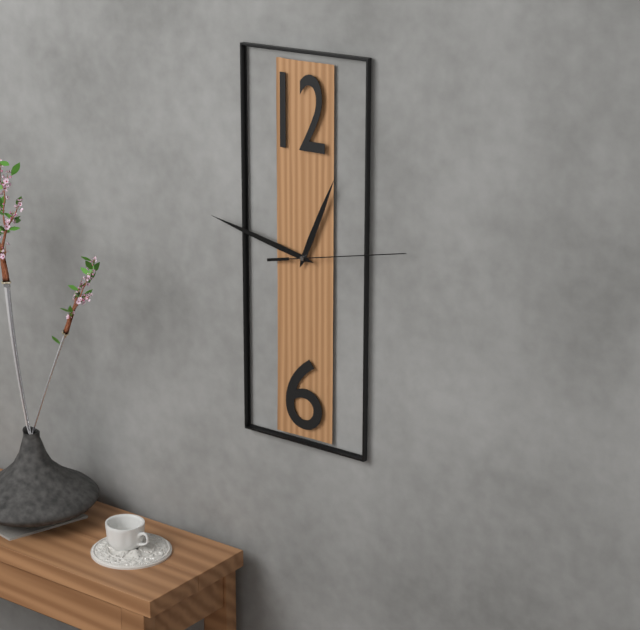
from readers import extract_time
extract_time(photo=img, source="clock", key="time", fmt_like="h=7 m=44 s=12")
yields h=12 m=47 s=13
